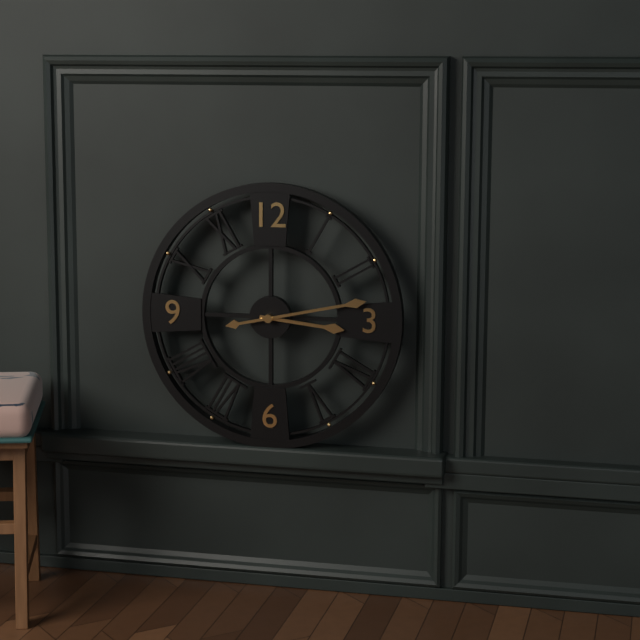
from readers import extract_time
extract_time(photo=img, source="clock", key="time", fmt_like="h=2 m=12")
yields h=3 m=13
